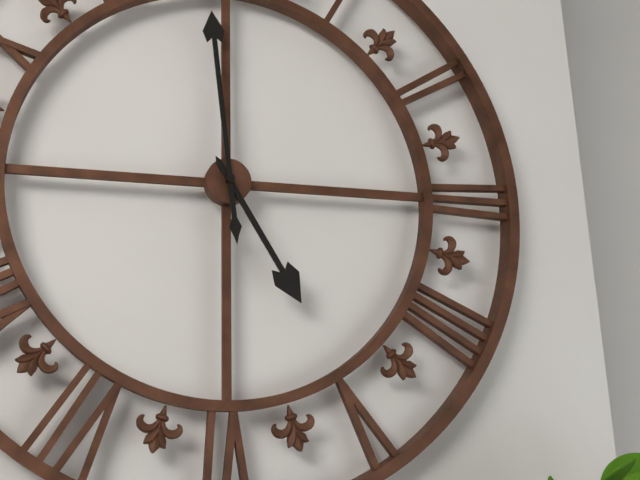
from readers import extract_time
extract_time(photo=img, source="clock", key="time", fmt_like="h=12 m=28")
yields h=4 m=59
